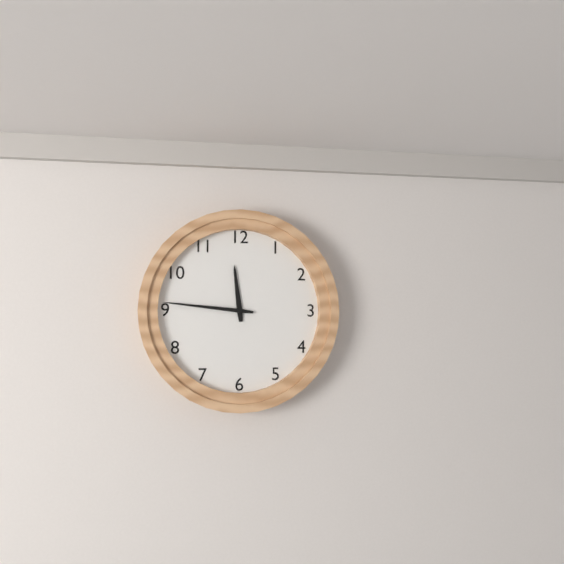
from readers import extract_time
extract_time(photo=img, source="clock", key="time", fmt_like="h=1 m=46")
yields h=11 m=46
